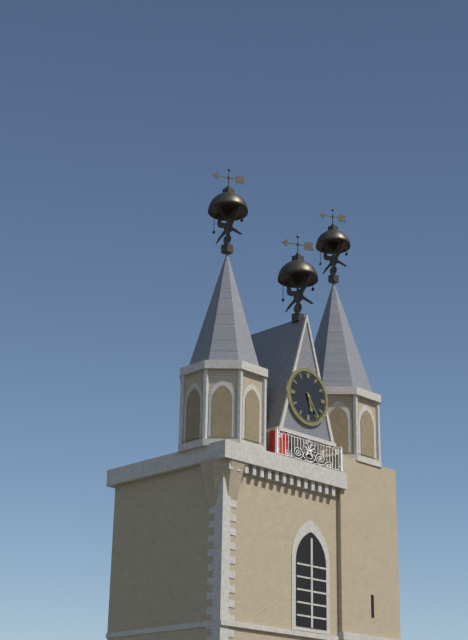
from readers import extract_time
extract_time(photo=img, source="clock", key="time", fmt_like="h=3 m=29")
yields h=5 m=24
